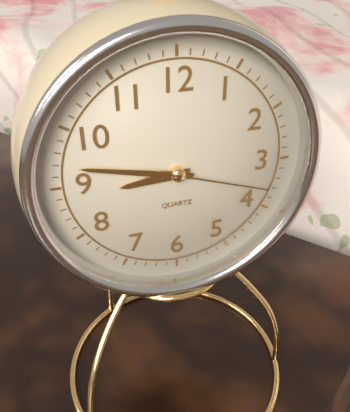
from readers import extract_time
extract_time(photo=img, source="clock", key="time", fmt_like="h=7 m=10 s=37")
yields h=8 m=47 s=18
